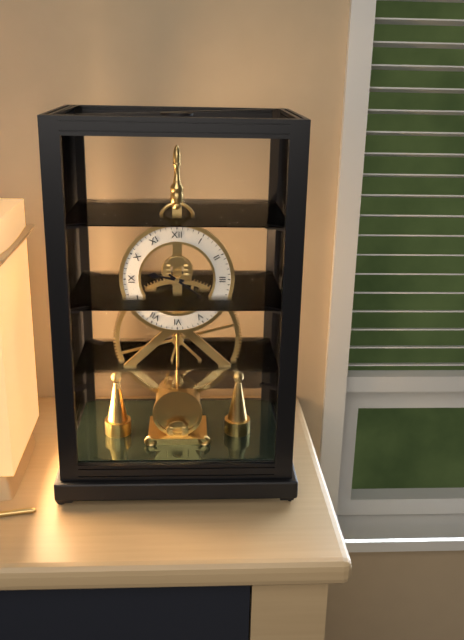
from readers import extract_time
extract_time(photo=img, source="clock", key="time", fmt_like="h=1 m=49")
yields h=9 m=21
